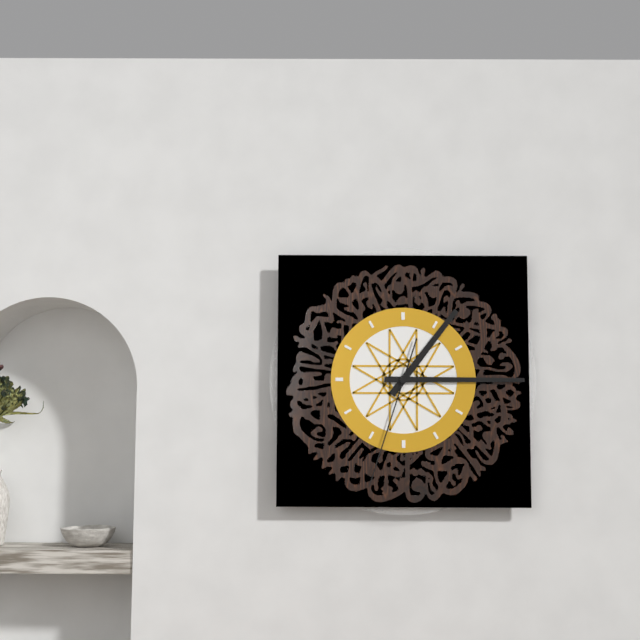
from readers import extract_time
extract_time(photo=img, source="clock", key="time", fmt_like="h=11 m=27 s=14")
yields h=1 m=15 s=33
